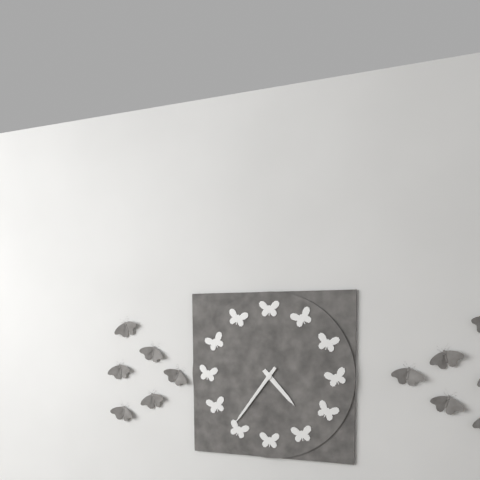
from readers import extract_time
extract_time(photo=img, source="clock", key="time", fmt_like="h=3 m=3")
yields h=4 m=36
